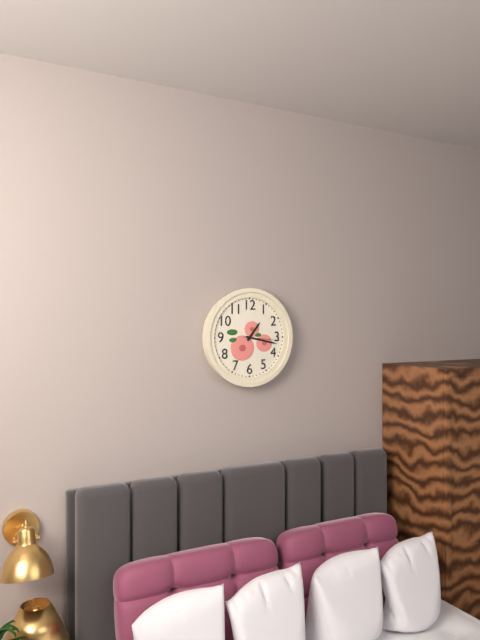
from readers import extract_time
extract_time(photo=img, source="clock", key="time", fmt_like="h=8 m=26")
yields h=1 m=17
